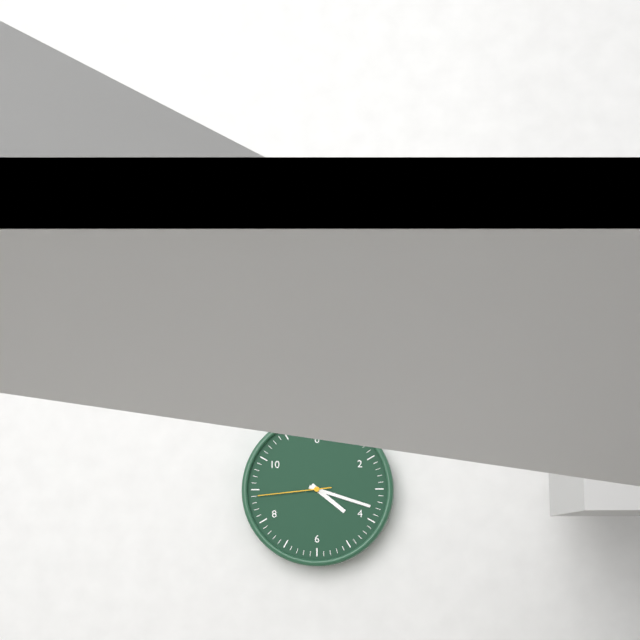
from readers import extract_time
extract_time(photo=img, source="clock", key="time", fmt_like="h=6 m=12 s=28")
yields h=4 m=18 s=44
